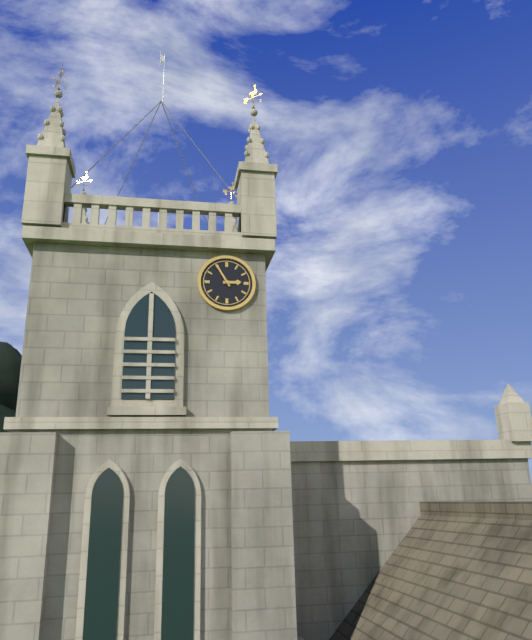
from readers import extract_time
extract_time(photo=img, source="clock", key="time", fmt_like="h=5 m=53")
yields h=2 m=55
